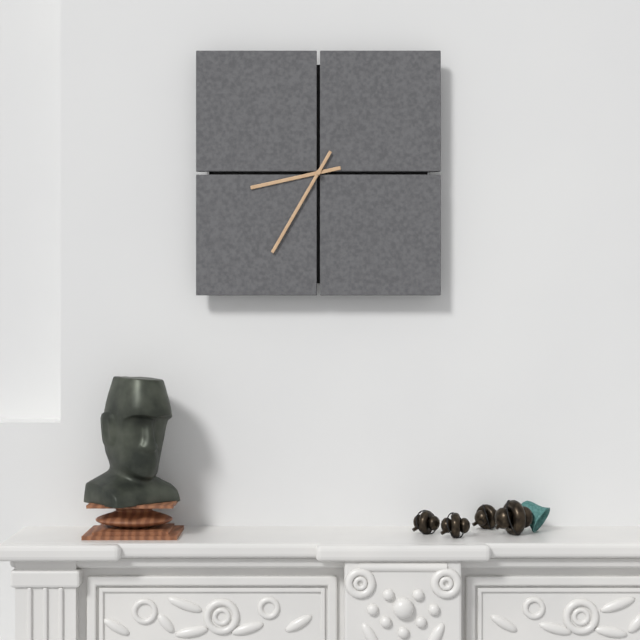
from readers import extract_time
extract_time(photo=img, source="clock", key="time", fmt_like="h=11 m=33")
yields h=8 m=35
